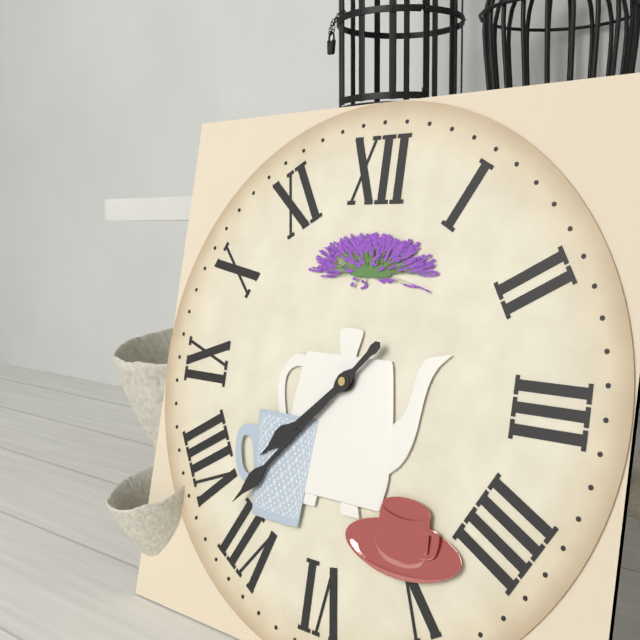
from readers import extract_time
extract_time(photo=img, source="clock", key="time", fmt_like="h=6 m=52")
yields h=7 m=37
